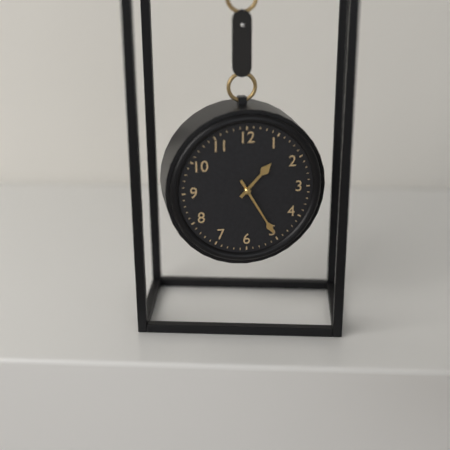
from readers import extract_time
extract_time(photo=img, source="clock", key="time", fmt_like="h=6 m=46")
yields h=1 m=25
